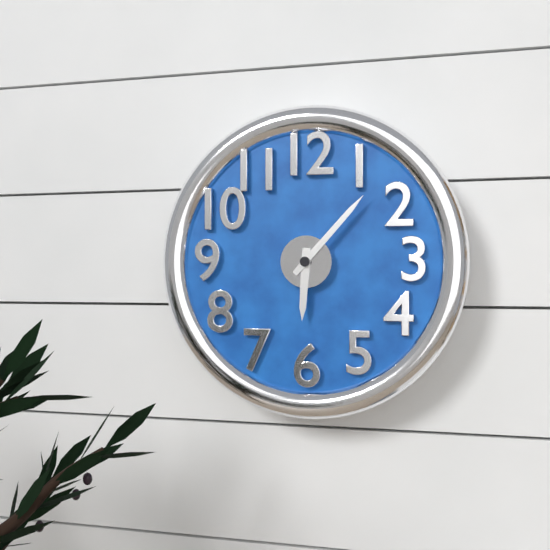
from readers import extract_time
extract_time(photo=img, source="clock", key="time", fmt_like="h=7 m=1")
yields h=6 m=7
